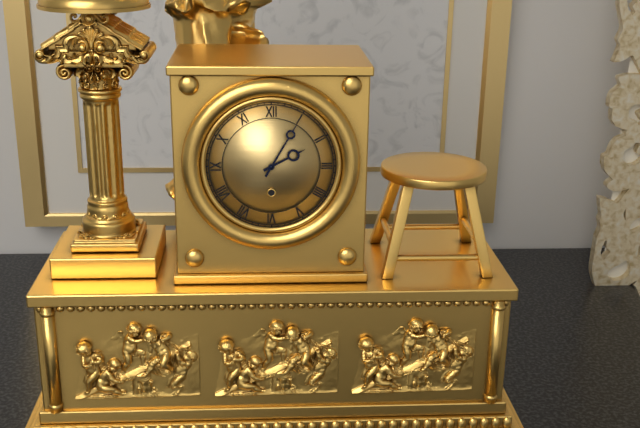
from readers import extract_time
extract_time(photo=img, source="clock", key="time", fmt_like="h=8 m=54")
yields h=2 m=5
